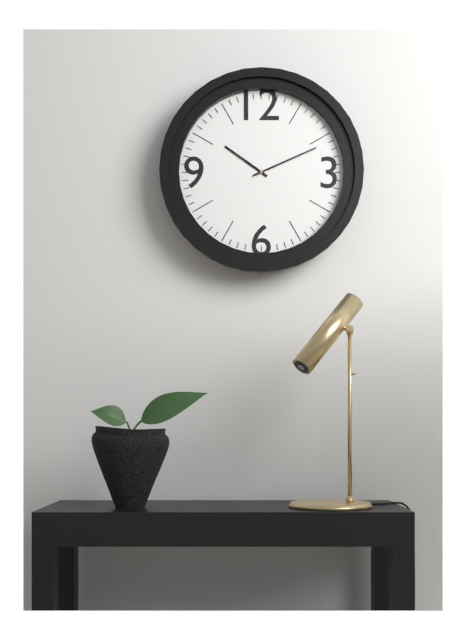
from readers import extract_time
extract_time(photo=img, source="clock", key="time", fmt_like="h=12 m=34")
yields h=10 m=11
